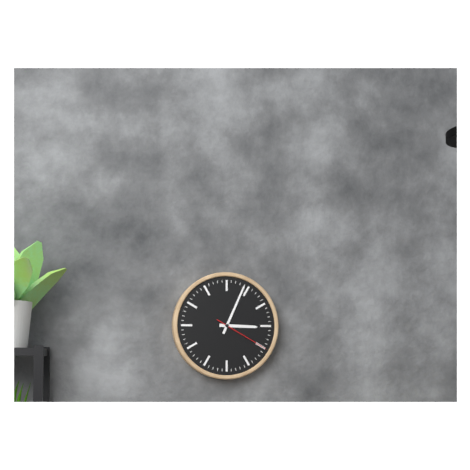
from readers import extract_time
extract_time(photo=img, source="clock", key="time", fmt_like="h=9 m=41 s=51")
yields h=3 m=4 s=20
